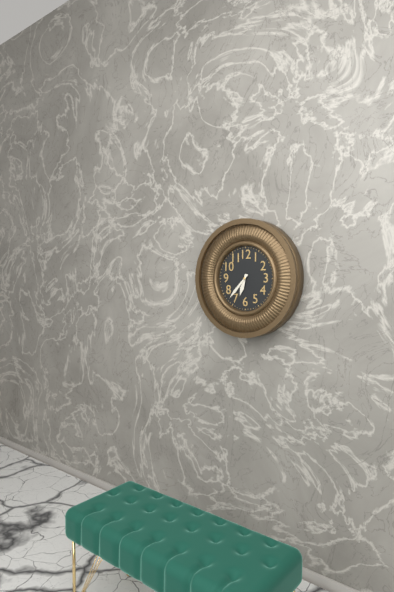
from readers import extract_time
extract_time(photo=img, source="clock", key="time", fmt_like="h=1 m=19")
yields h=6 m=37
